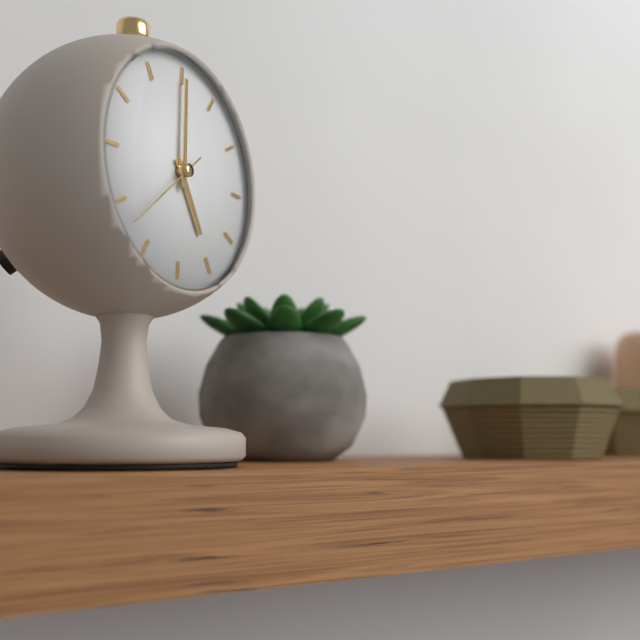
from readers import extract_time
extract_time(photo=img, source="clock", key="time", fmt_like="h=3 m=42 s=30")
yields h=5 m=0 s=38
